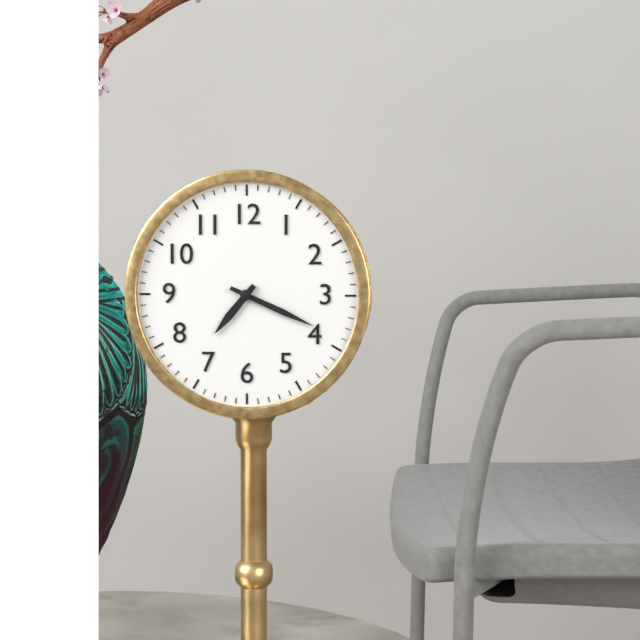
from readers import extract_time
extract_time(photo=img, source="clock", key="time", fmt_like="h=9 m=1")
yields h=7 m=19
